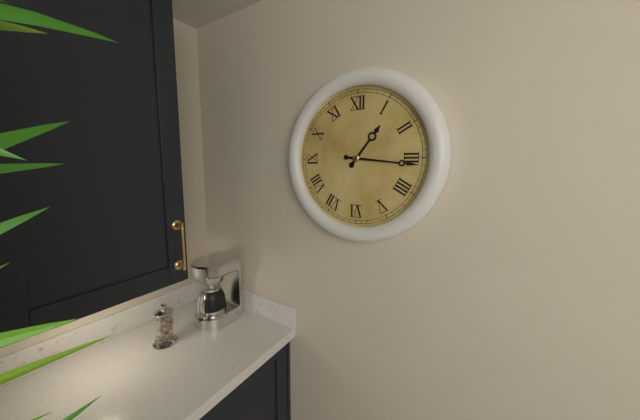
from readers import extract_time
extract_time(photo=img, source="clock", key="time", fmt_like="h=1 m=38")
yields h=1 m=16
